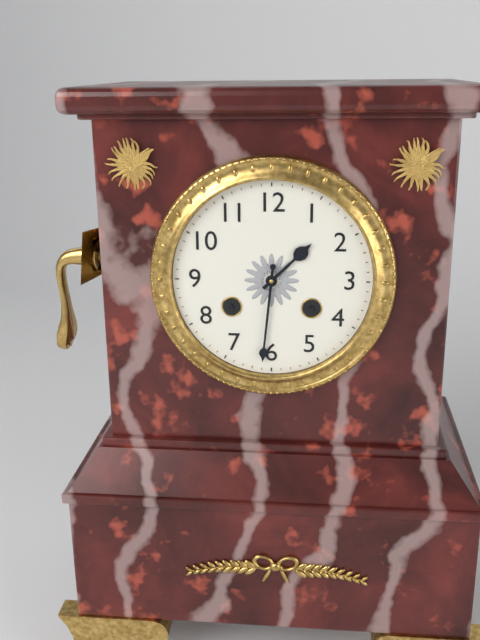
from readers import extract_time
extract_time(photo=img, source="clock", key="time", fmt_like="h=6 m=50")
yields h=1 m=31
